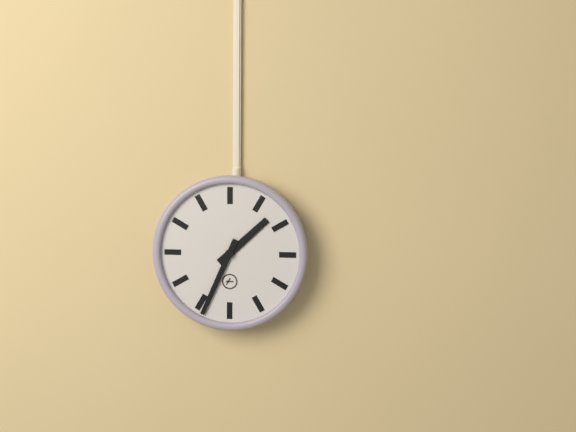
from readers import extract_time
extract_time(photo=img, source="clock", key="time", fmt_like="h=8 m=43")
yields h=1 m=34
